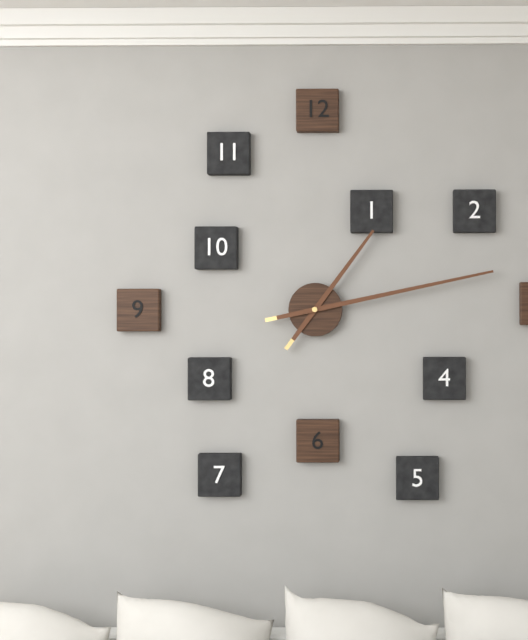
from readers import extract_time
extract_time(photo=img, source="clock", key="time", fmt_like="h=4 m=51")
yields h=1 m=13
